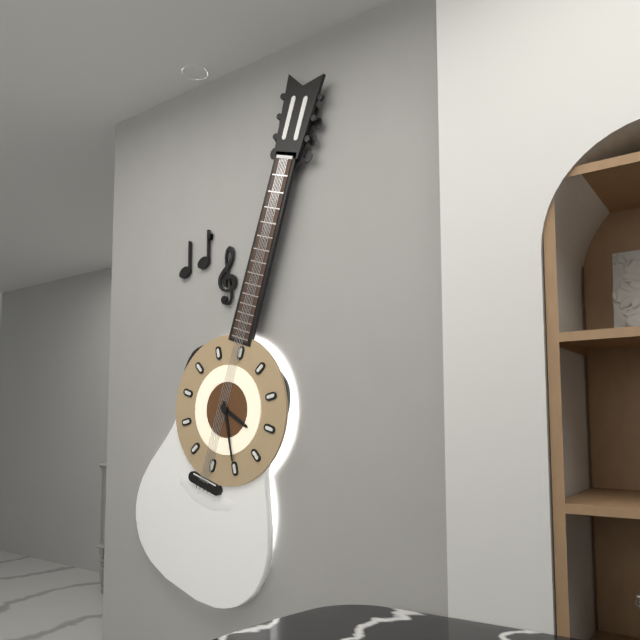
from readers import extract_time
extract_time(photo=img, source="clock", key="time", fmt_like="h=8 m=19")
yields h=3 m=25
